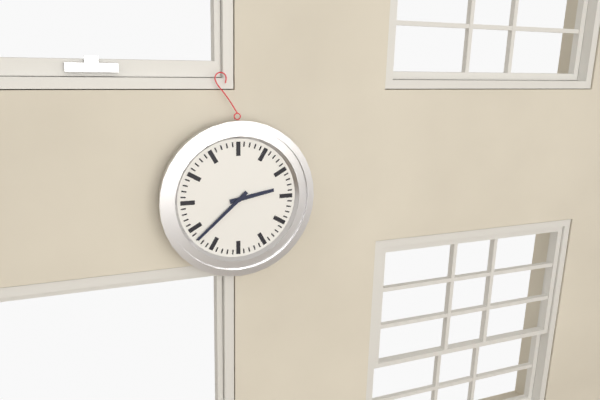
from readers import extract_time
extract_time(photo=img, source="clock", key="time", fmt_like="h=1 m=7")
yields h=2 m=38
